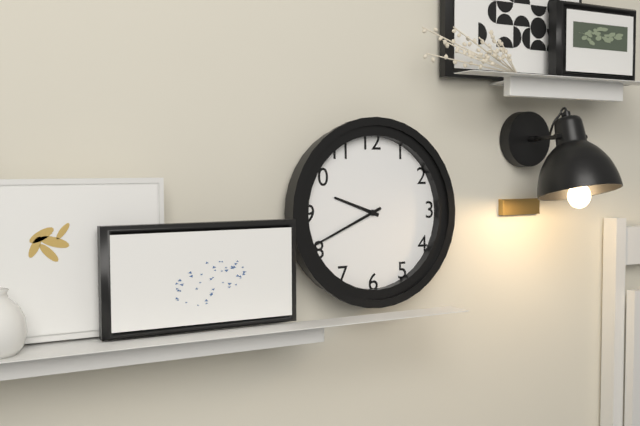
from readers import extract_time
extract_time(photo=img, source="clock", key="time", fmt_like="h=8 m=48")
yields h=9 m=41
